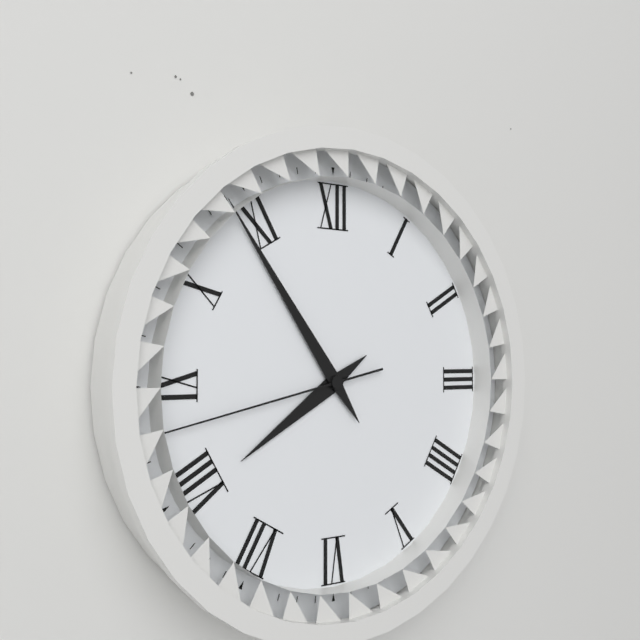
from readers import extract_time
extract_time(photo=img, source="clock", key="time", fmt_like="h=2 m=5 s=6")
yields h=7 m=54 s=43
